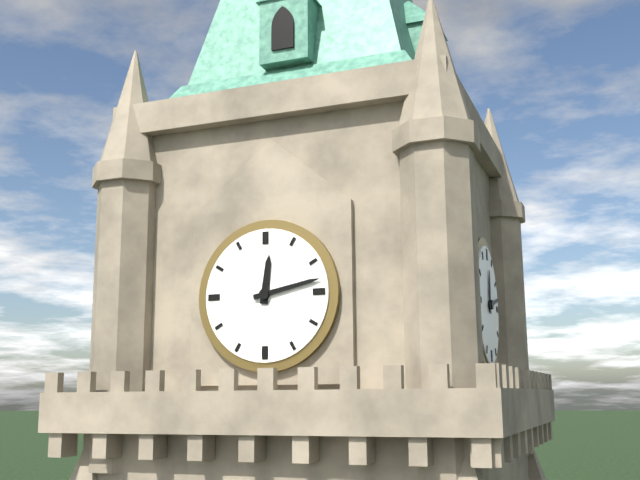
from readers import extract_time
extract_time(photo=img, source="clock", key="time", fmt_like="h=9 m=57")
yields h=12 m=13
